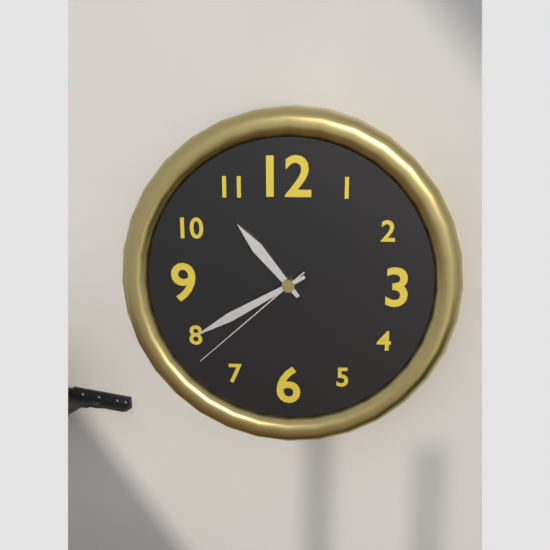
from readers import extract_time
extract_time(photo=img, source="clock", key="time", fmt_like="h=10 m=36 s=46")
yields h=10 m=40 s=38
